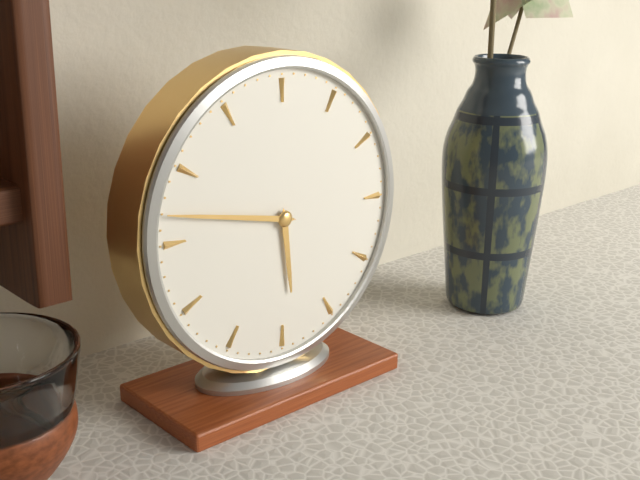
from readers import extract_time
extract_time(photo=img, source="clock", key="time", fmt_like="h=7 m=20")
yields h=5 m=47
